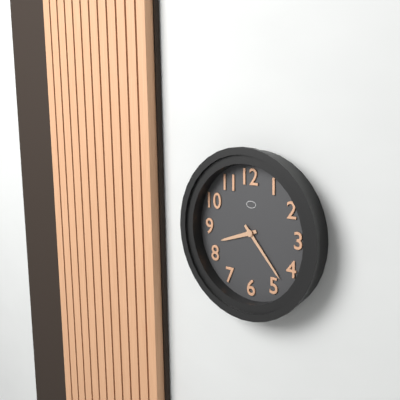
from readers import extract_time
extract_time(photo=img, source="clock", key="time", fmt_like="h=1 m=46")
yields h=8 m=23
